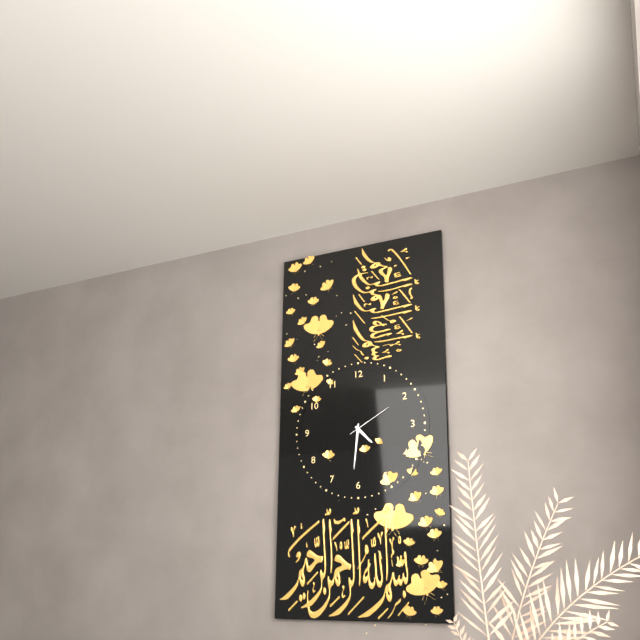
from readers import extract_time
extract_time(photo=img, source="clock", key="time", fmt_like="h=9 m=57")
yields h=4 m=31
